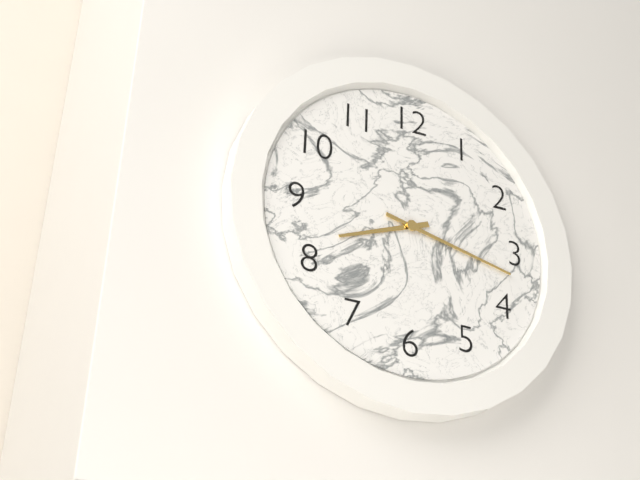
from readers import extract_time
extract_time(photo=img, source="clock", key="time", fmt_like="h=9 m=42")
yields h=8 m=17
